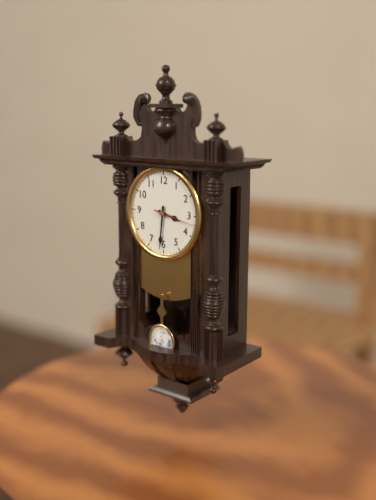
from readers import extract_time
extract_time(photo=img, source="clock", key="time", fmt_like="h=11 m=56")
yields h=3 m=31
